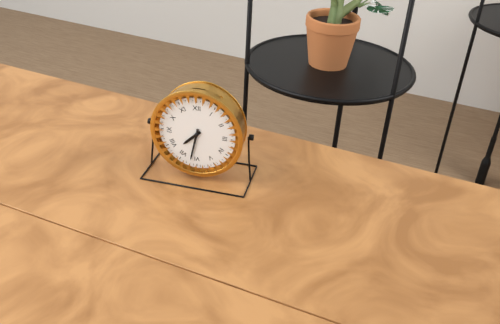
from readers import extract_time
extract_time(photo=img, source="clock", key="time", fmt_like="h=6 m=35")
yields h=7 m=32
